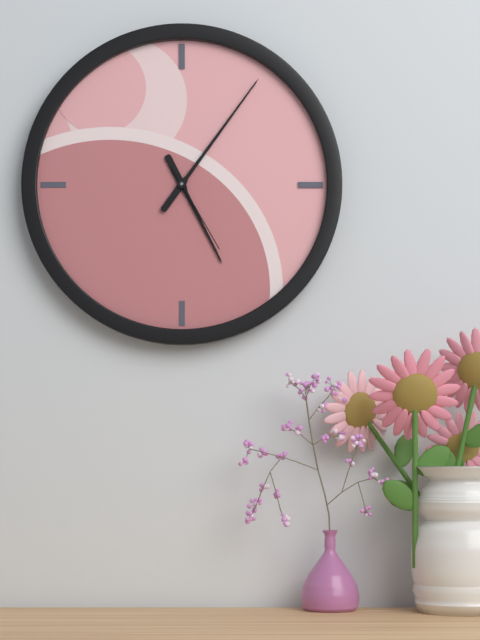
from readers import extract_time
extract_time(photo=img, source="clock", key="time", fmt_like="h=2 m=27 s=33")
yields h=5 m=6 s=25
